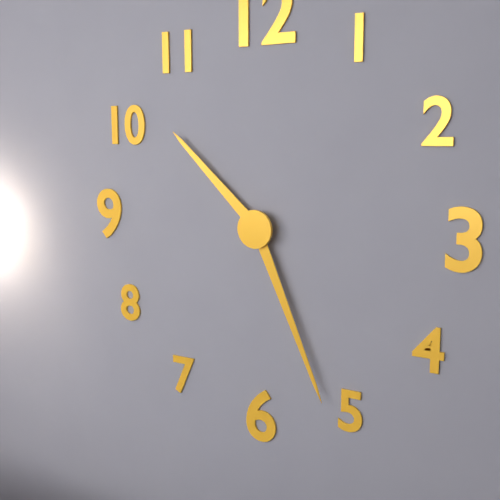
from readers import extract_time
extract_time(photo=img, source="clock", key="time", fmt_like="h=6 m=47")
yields h=10 m=26
